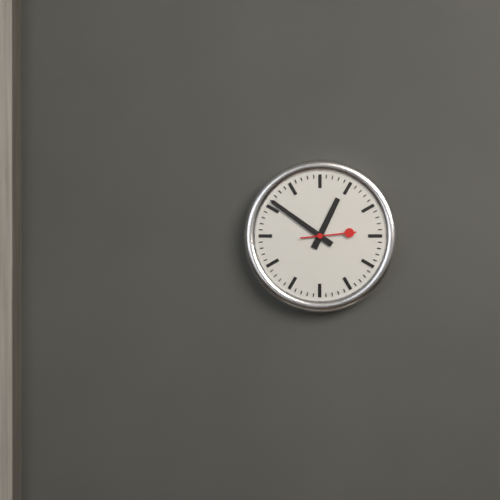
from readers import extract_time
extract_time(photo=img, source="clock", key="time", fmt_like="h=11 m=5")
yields h=12 m=51
